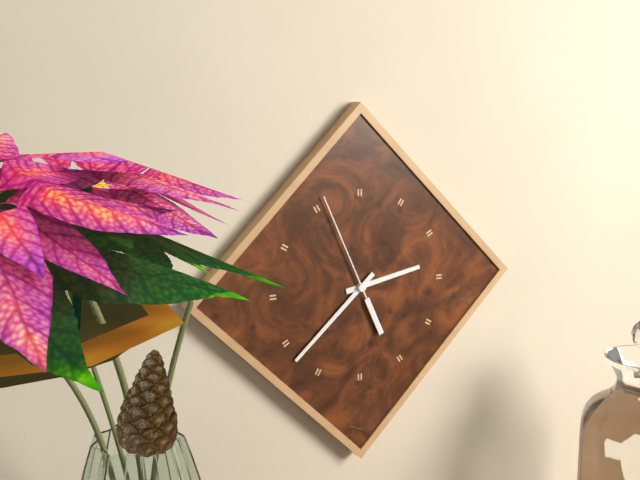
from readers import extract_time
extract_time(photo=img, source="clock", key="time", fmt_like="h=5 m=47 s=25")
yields h=2 m=38 s=56
